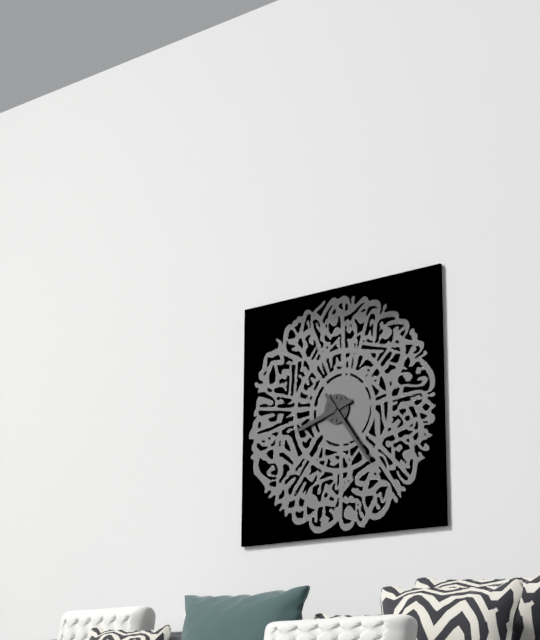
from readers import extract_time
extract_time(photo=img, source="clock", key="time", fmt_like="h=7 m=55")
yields h=8 m=24
